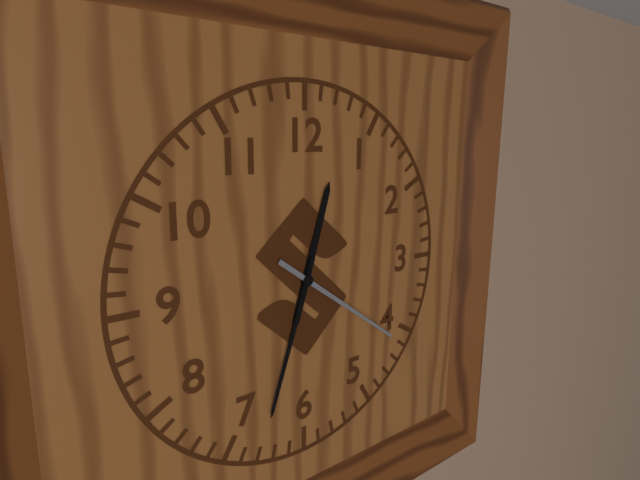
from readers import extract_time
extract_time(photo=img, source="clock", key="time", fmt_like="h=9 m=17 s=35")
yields h=12 m=33 s=21
